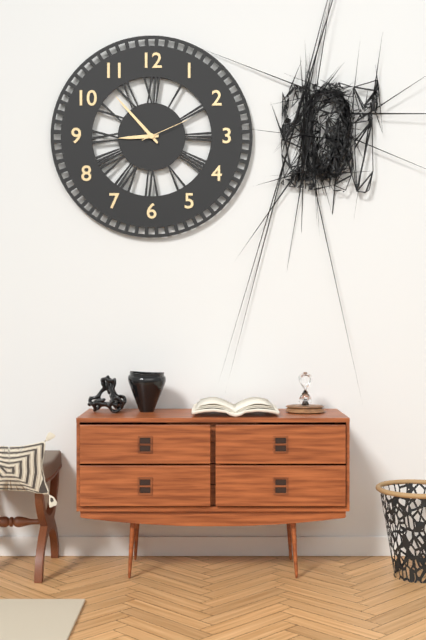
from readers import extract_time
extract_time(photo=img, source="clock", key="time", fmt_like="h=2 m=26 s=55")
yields h=8 m=53 s=11
